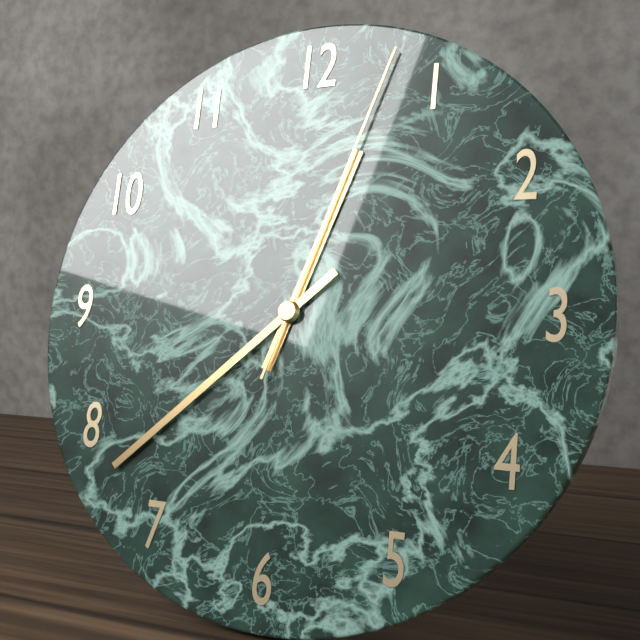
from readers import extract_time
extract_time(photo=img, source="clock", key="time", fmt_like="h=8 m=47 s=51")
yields h=12 m=38 s=3
